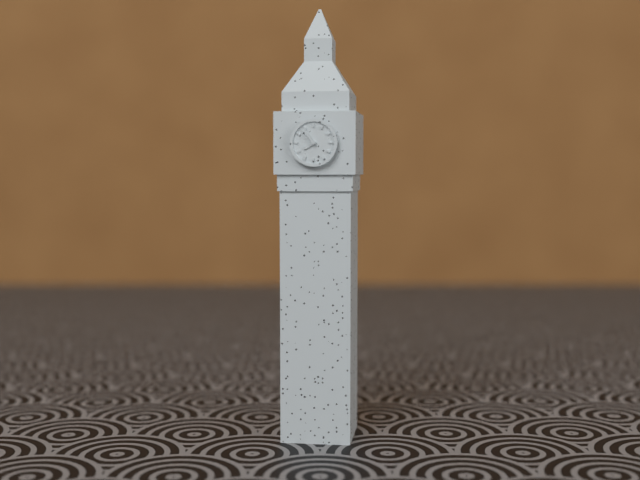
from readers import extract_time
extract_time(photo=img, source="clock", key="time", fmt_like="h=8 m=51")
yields h=7 m=54
